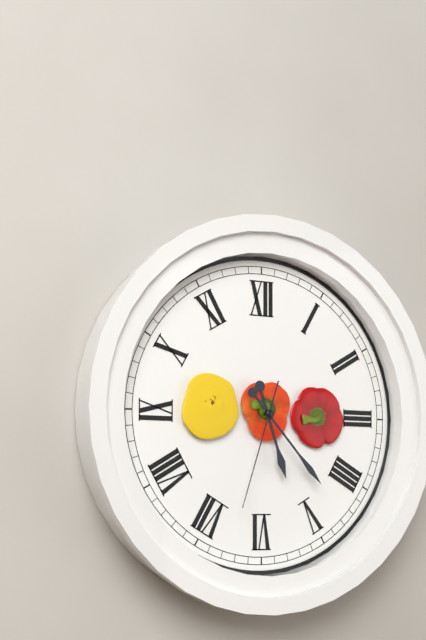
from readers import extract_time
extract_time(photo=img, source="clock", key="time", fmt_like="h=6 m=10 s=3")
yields h=5 m=23 s=33
